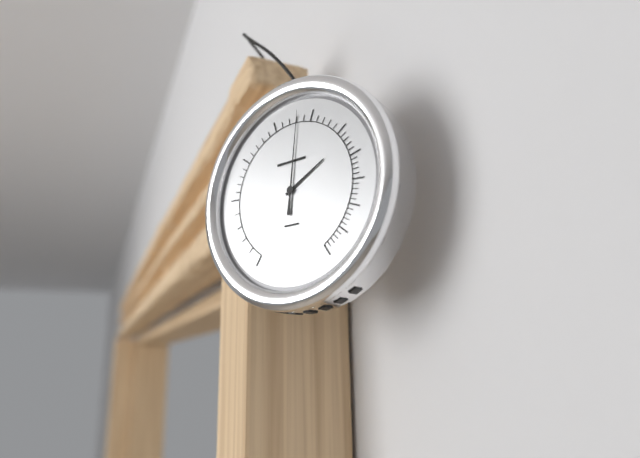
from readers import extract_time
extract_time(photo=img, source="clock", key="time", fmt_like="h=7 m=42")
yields h=2 m=1
